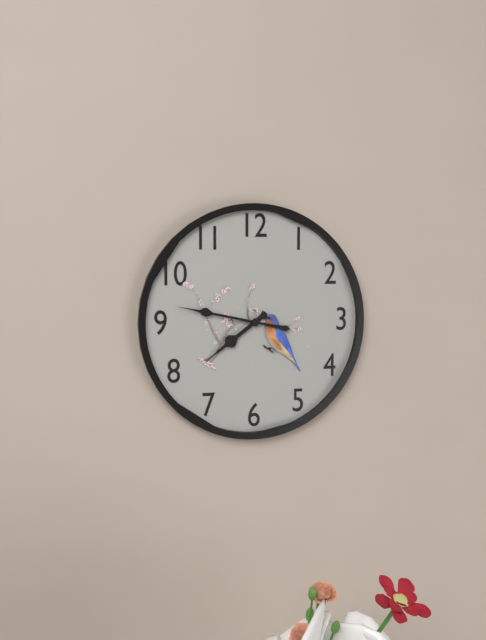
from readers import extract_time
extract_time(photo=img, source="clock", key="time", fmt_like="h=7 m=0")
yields h=7 m=47
